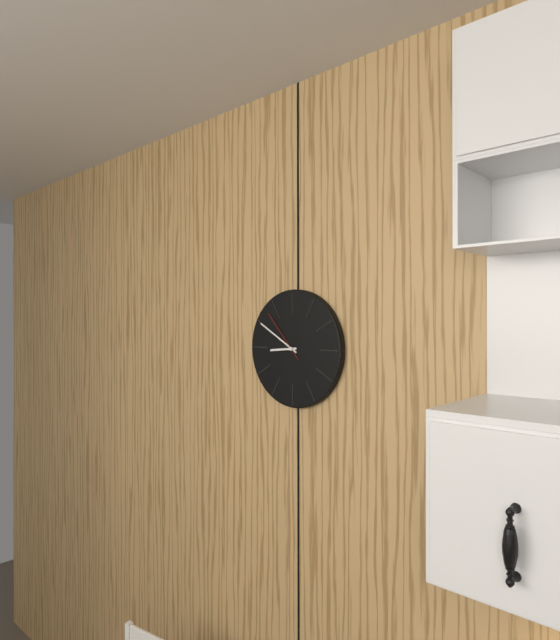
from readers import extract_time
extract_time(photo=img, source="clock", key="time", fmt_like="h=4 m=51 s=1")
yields h=8 m=50 s=53
